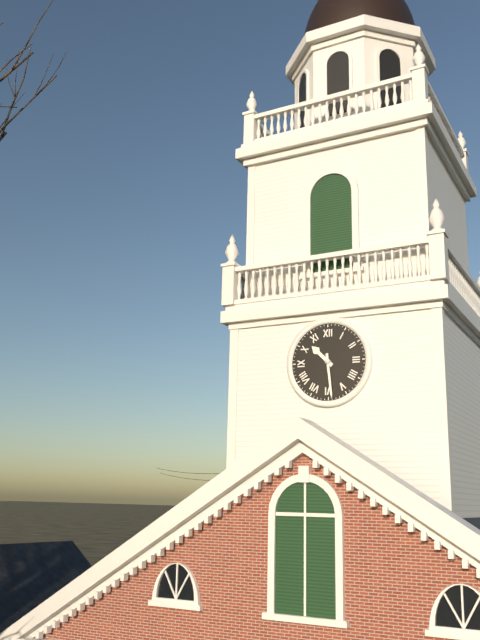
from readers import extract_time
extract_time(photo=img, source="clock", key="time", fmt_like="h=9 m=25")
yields h=10 m=29
